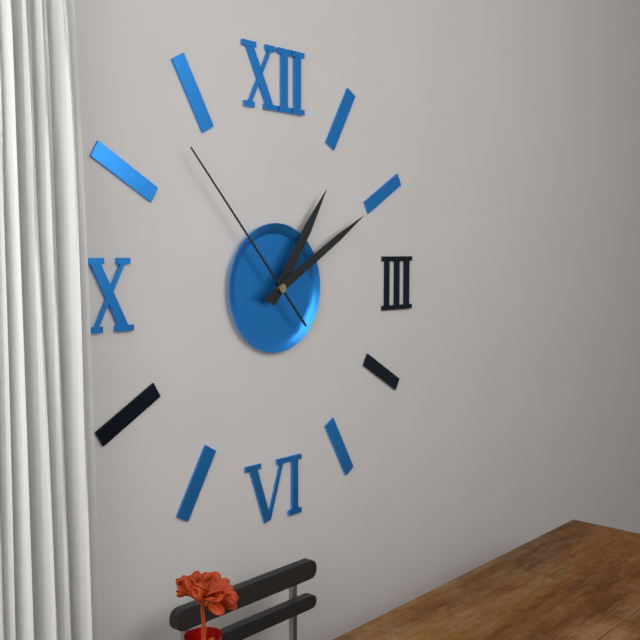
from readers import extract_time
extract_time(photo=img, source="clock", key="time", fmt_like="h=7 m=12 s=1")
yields h=1 m=10 s=53
